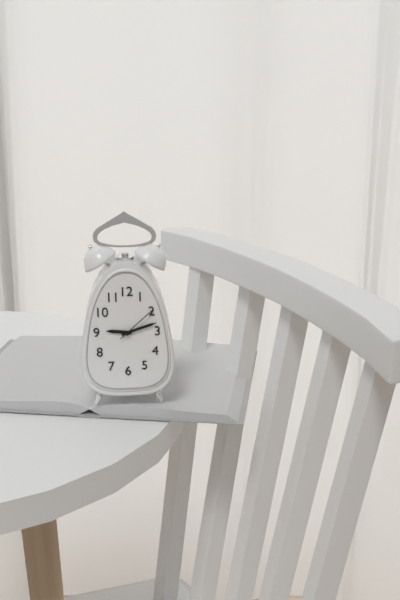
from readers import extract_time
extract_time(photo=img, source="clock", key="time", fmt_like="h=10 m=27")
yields h=9 m=12
